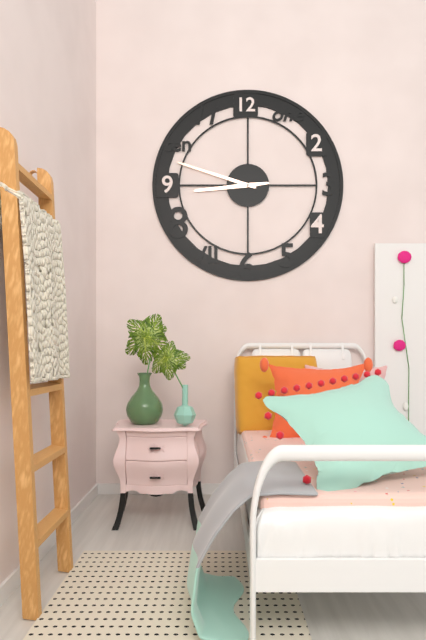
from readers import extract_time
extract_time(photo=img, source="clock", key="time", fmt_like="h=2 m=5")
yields h=8 m=48
